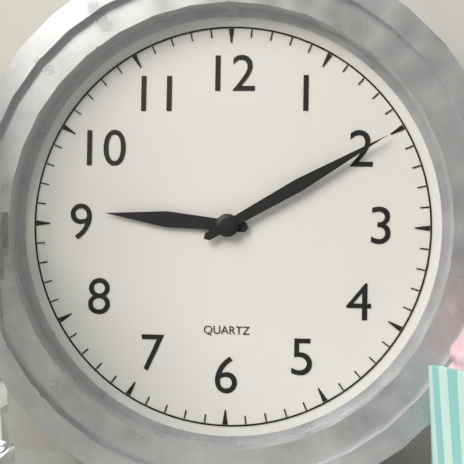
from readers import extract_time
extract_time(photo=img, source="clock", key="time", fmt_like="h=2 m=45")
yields h=9 m=10
